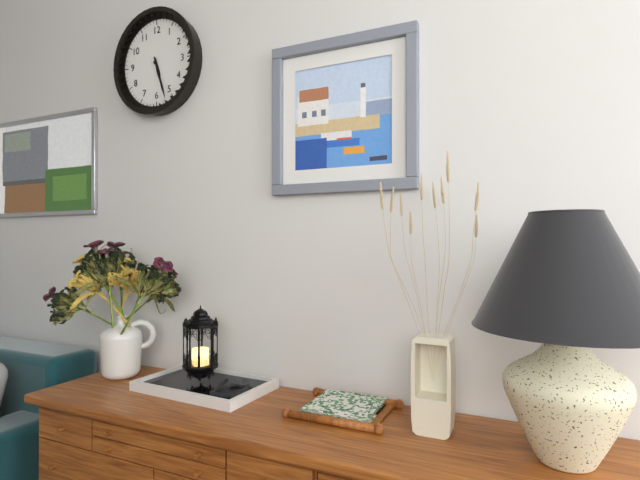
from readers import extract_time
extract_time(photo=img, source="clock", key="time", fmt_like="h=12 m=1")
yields h=5 m=27
